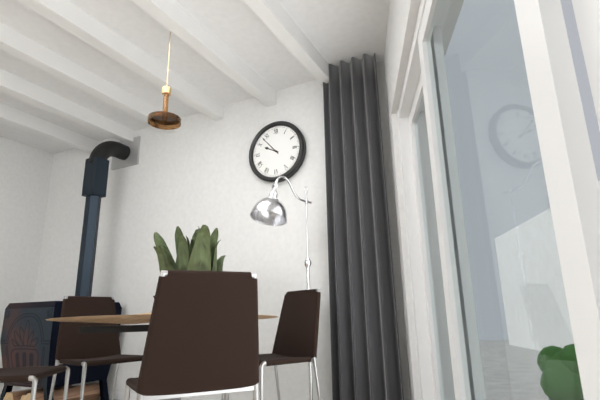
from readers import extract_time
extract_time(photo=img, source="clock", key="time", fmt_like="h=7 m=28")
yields h=9 m=53
